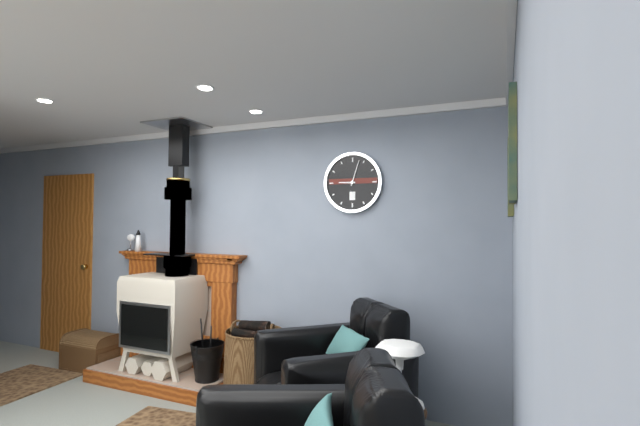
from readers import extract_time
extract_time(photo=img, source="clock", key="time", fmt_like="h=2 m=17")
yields h=9 m=3
